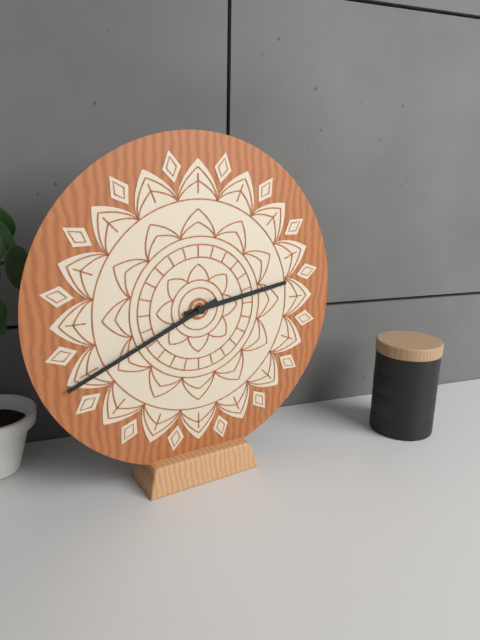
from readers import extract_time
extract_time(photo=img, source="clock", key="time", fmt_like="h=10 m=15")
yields h=2 m=41
